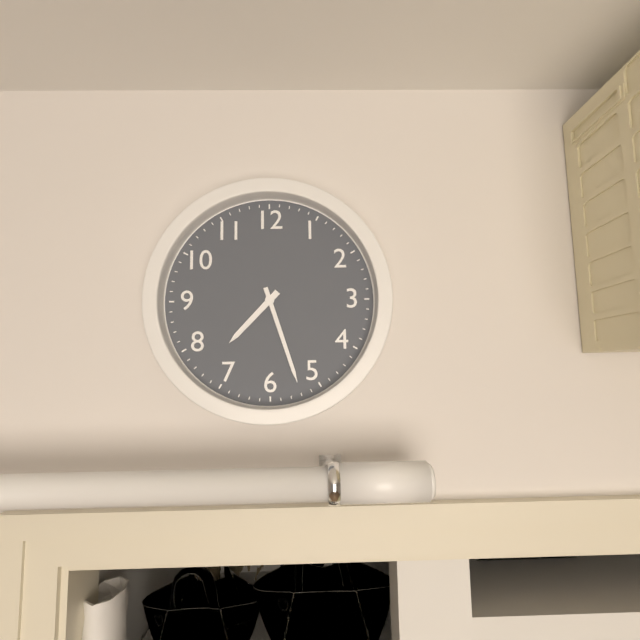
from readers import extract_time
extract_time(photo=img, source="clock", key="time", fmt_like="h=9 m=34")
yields h=7 m=27
